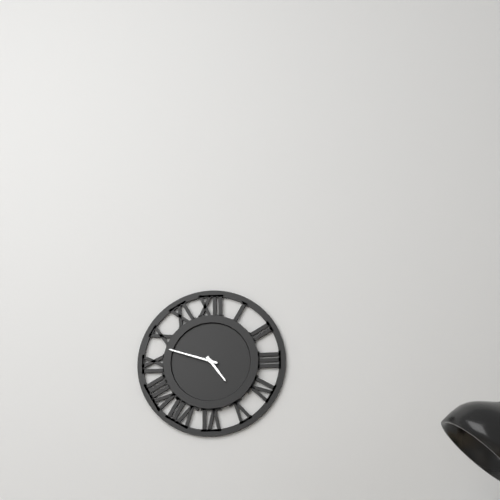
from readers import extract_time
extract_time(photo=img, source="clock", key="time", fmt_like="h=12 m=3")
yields h=4 m=48
